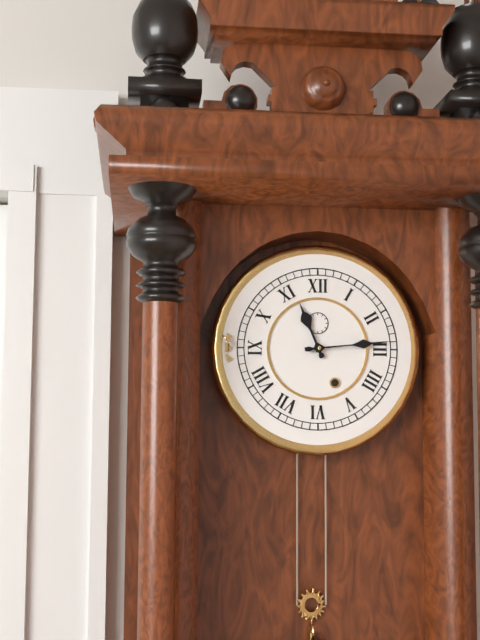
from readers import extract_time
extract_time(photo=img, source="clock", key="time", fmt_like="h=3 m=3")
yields h=11 m=14
